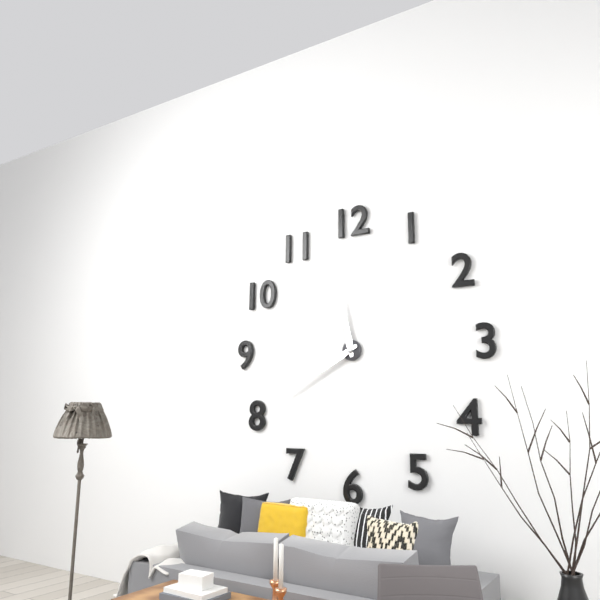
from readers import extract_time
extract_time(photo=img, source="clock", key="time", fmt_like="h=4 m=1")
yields h=11 m=40
